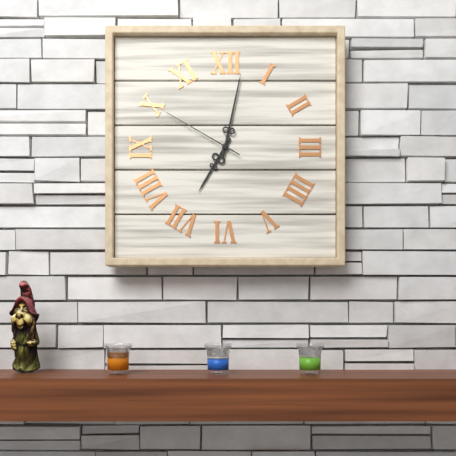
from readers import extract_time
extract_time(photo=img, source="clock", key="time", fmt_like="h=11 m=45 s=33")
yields h=7 m=2 s=50
